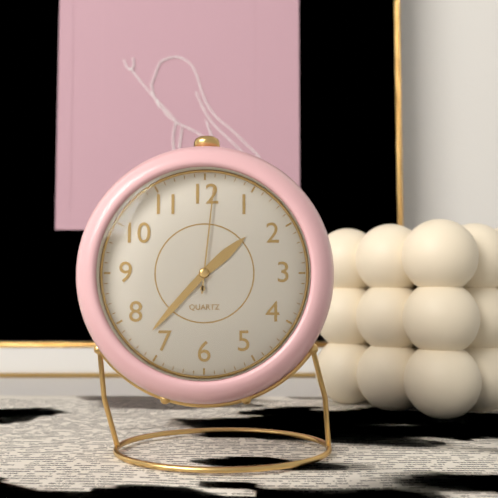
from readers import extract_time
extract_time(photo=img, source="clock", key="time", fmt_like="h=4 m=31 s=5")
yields h=1 m=37 s=1
